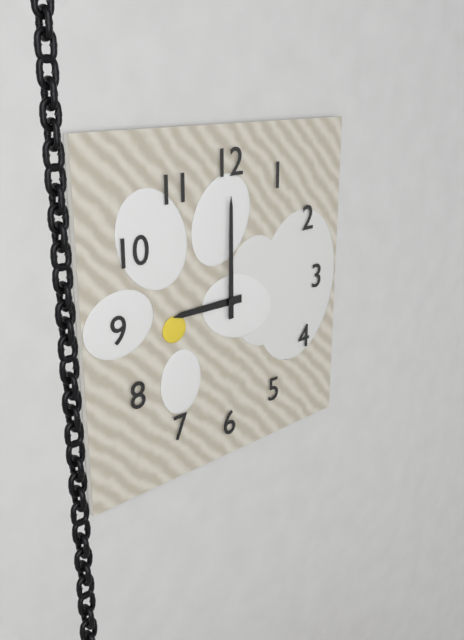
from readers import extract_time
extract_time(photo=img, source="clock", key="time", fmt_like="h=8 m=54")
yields h=9 m=0
